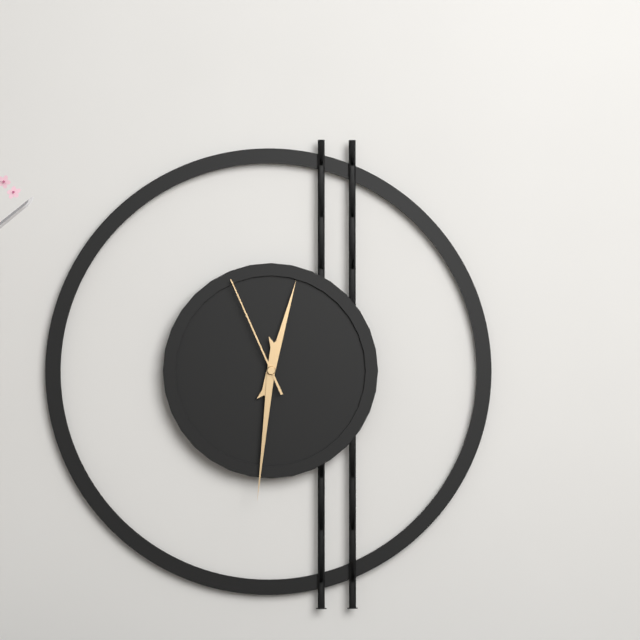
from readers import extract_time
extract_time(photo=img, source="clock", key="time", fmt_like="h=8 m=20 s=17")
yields h=12 m=31 s=56
